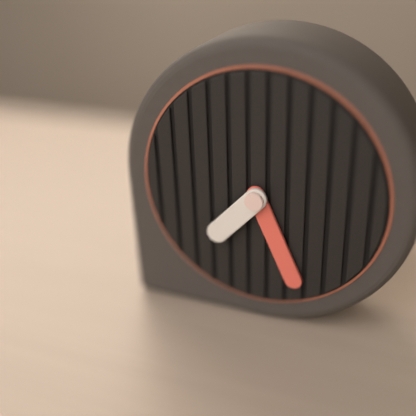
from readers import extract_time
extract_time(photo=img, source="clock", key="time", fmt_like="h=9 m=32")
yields h=7 m=26
